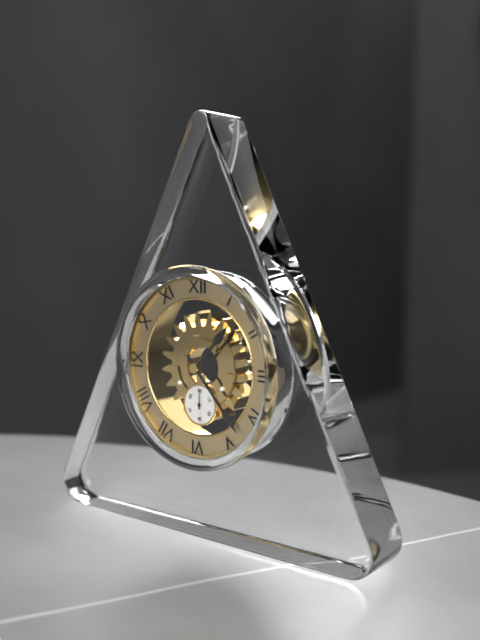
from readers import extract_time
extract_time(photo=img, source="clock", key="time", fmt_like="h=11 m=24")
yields h=1 m=23
